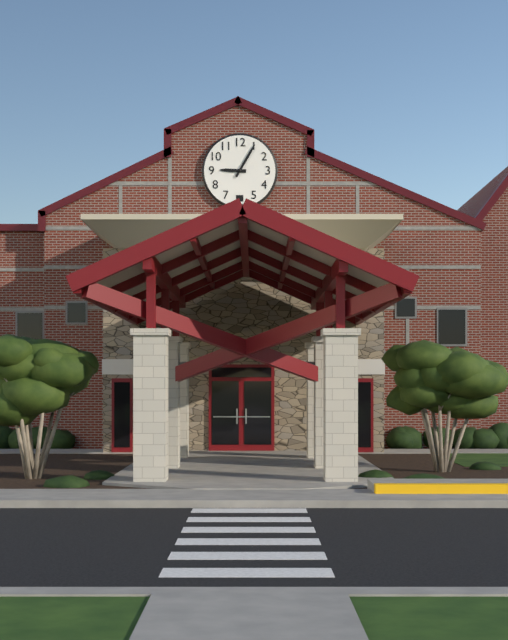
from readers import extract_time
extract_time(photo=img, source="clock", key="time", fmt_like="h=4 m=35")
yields h=9 m=5
